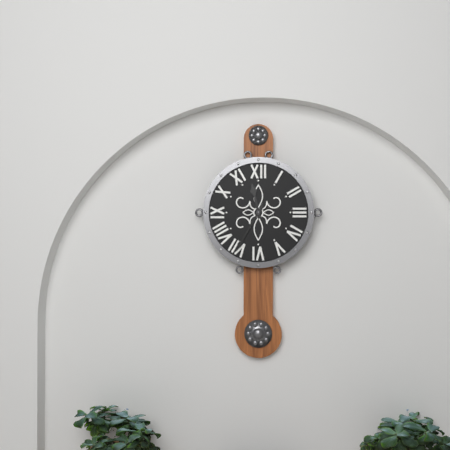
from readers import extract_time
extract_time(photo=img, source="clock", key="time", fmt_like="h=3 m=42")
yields h=11 m=35
